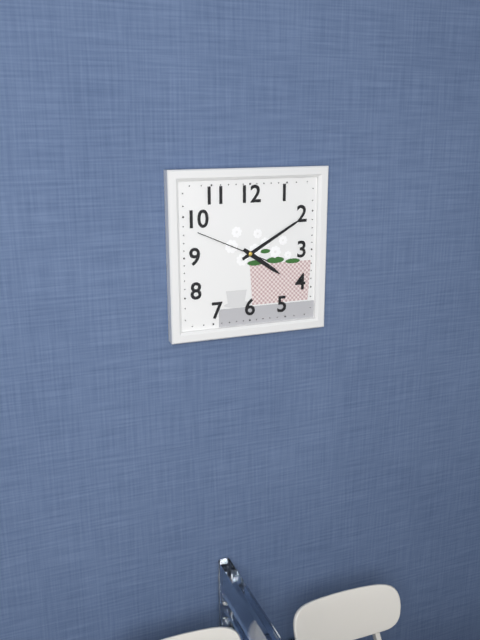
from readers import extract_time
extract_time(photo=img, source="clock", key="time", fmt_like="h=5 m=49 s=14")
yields h=4 m=10 s=49
